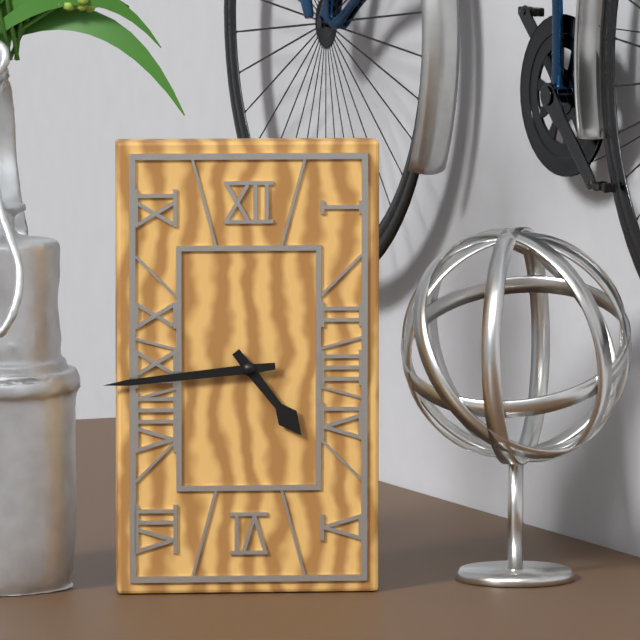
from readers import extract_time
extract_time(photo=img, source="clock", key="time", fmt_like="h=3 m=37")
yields h=4 m=44
